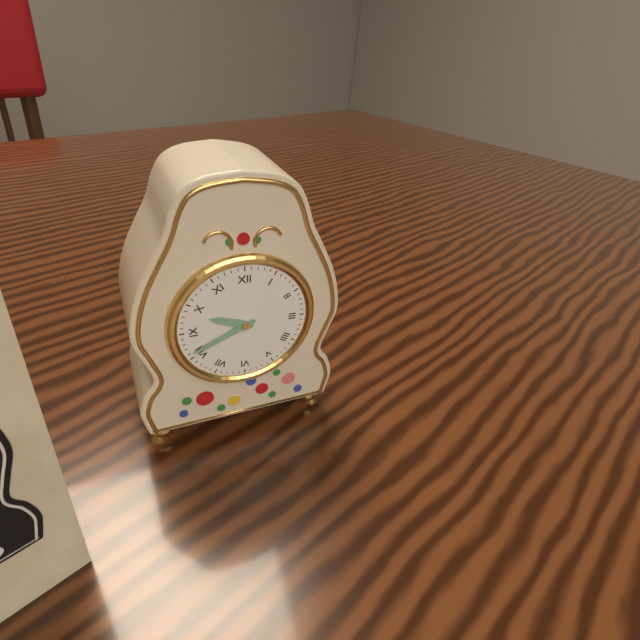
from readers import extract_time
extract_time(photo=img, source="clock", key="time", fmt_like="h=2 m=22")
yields h=9 m=41
